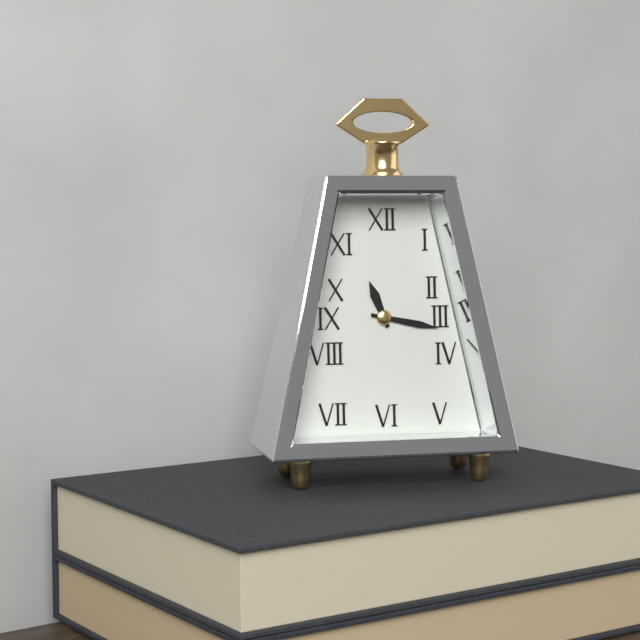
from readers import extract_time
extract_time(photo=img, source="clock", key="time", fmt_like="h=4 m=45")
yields h=11 m=17
